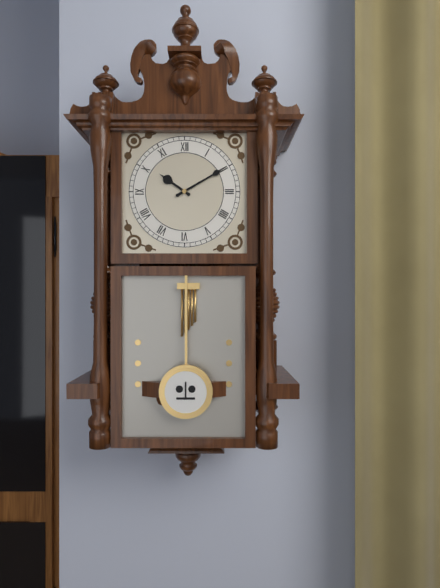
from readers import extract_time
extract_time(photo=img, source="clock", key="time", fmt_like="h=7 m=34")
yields h=10 m=10
